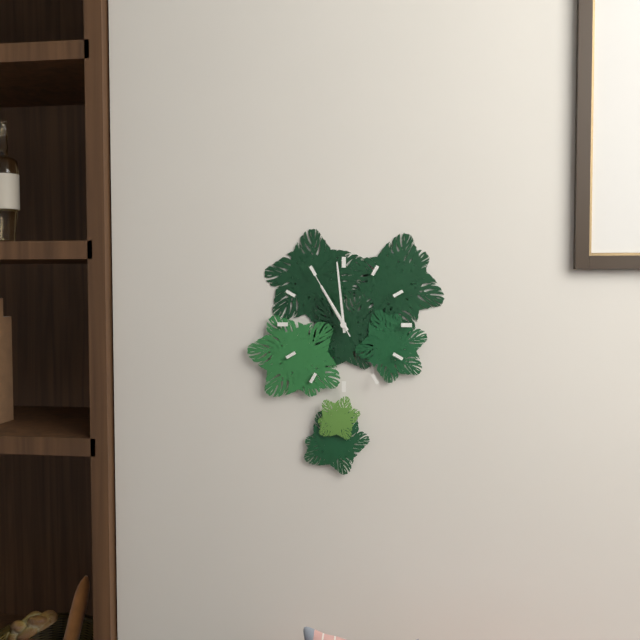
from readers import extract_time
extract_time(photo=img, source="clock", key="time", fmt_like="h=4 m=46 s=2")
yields h=10 m=59 s=55
